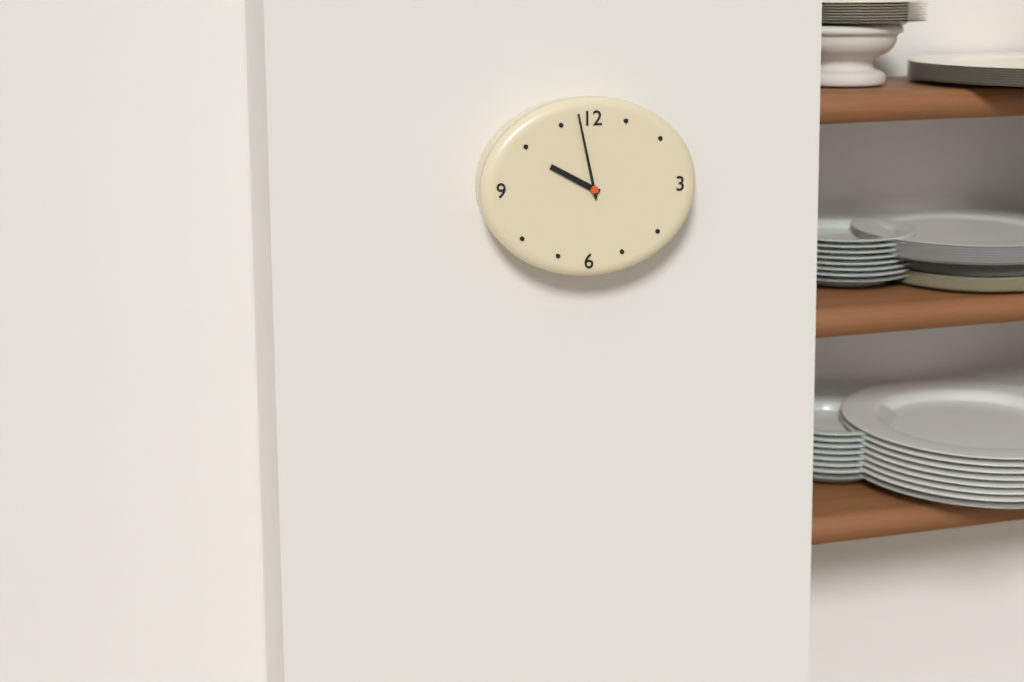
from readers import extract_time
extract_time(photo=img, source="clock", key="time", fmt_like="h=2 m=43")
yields h=9 m=58
